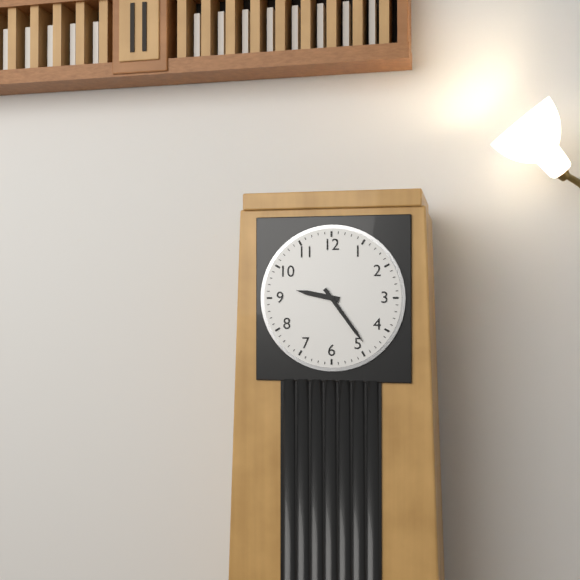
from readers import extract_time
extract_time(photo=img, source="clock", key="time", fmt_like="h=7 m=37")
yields h=9 m=24
